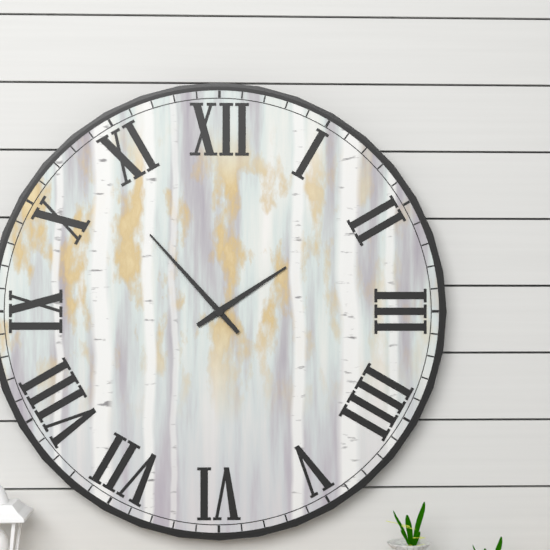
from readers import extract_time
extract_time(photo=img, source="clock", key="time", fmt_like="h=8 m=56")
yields h=1 m=53
